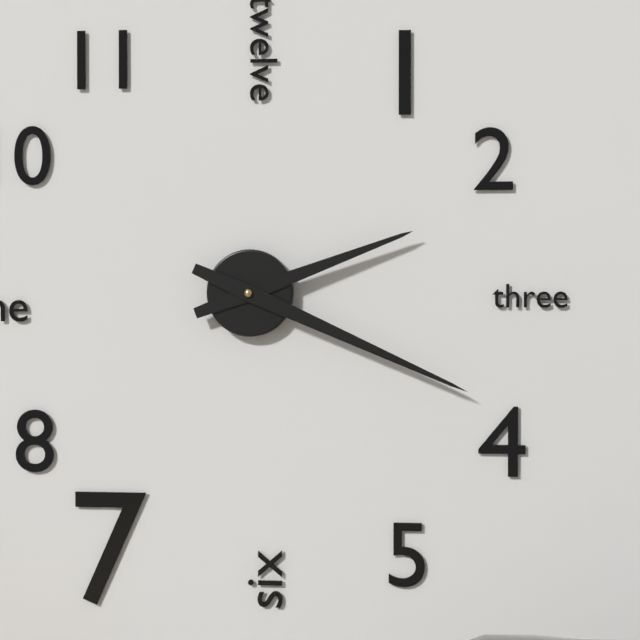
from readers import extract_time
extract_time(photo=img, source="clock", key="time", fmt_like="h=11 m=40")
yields h=2 m=19
